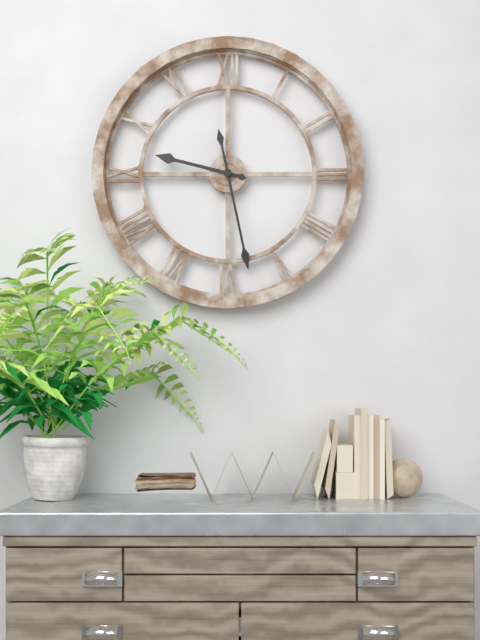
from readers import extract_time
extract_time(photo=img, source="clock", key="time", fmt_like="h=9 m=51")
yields h=9 m=28
